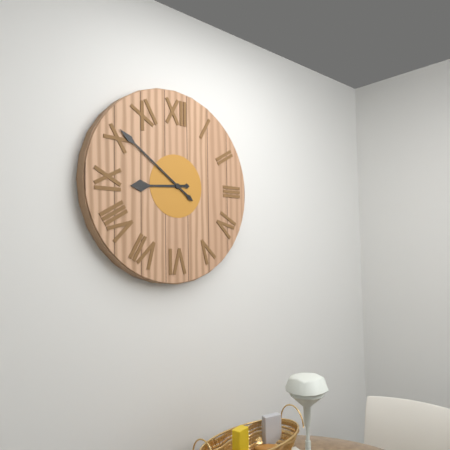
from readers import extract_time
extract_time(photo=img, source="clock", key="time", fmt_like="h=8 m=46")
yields h=8 m=51
